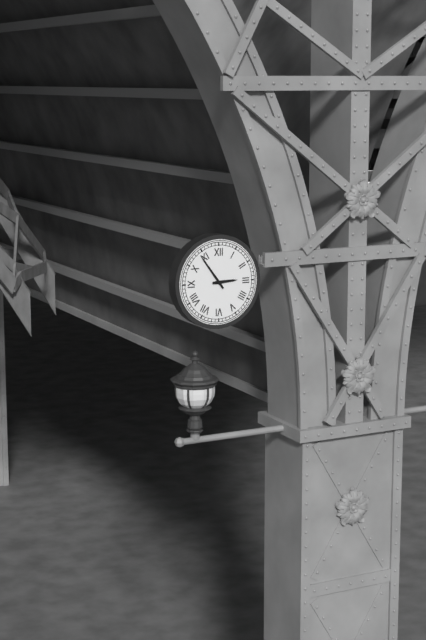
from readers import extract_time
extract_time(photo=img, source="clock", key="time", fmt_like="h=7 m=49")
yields h=2 m=54
